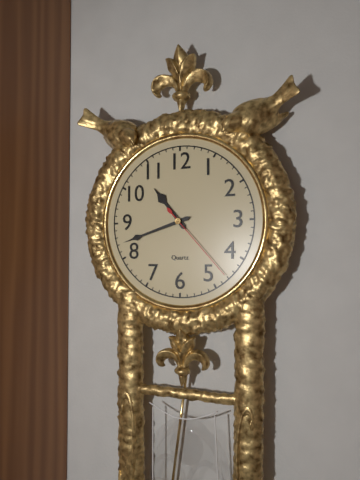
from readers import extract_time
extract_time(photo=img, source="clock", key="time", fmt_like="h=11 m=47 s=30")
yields h=10 m=42 s=23
